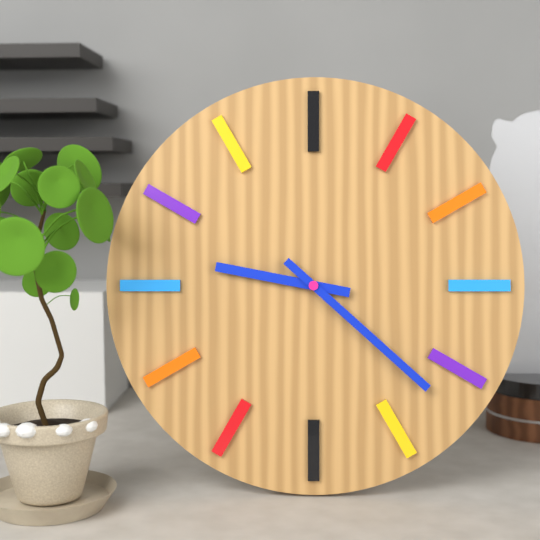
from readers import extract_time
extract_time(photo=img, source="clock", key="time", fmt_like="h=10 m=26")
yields h=9 m=22
